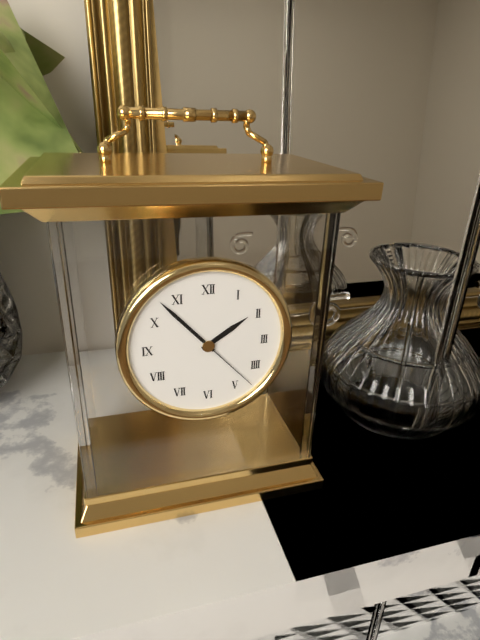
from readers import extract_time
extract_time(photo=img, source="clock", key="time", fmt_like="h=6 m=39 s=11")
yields h=1 m=53 s=23
